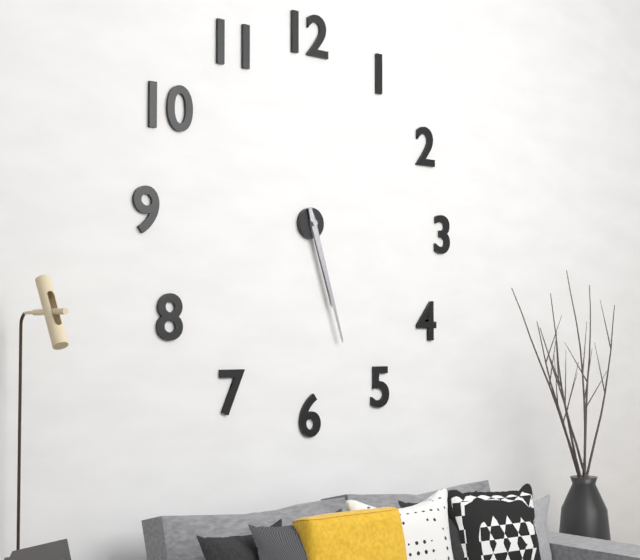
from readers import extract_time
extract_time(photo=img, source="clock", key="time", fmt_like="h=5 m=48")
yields h=5 m=27
